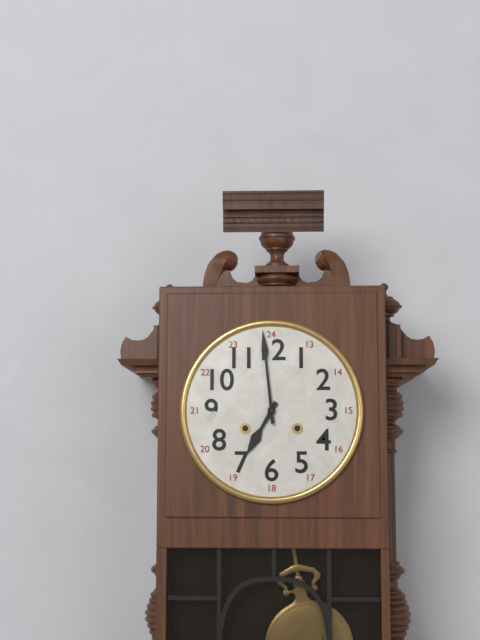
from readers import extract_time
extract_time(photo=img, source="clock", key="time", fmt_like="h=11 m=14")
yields h=6 m=59
